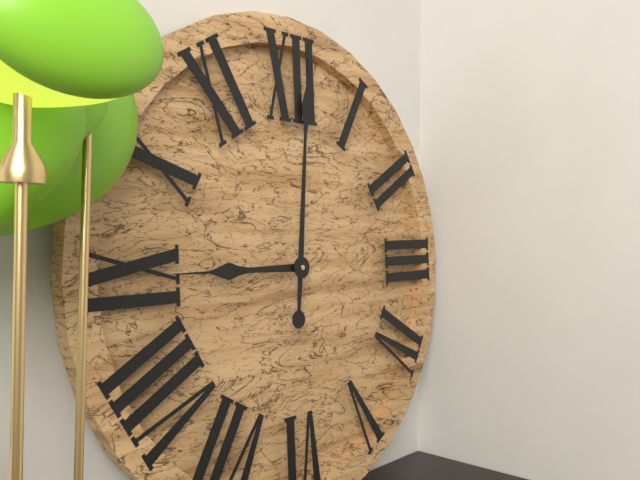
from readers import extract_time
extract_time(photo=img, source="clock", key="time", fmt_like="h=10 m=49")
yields h=9 m=1
